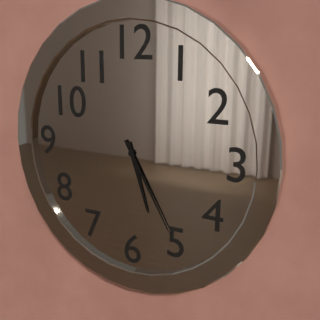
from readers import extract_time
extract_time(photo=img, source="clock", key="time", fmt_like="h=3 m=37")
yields h=5 m=25
